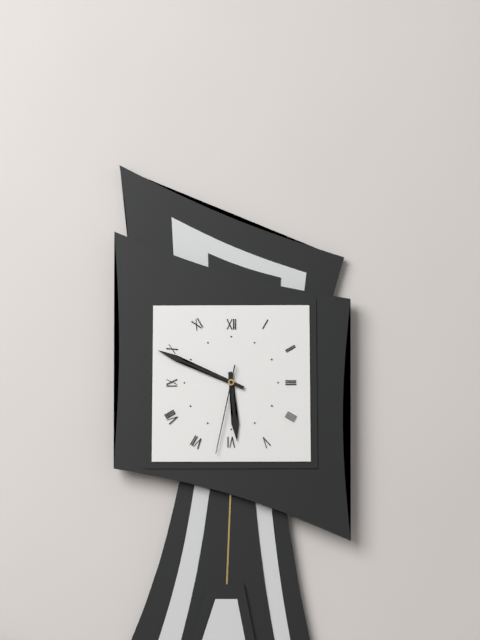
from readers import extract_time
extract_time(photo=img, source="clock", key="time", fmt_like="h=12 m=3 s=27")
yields h=5 m=49 s=32
